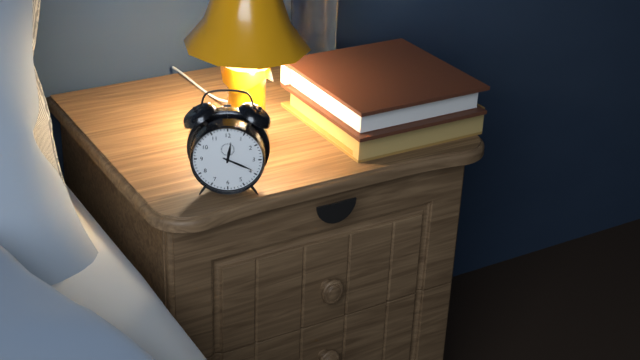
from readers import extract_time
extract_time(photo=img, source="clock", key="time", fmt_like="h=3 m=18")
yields h=12 m=19
